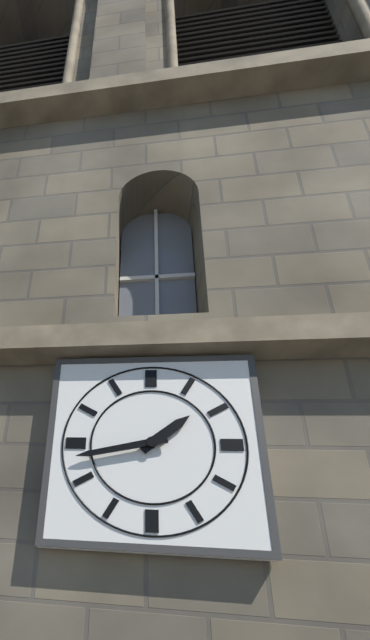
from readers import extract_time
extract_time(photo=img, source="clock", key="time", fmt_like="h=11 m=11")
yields h=1 m=43
